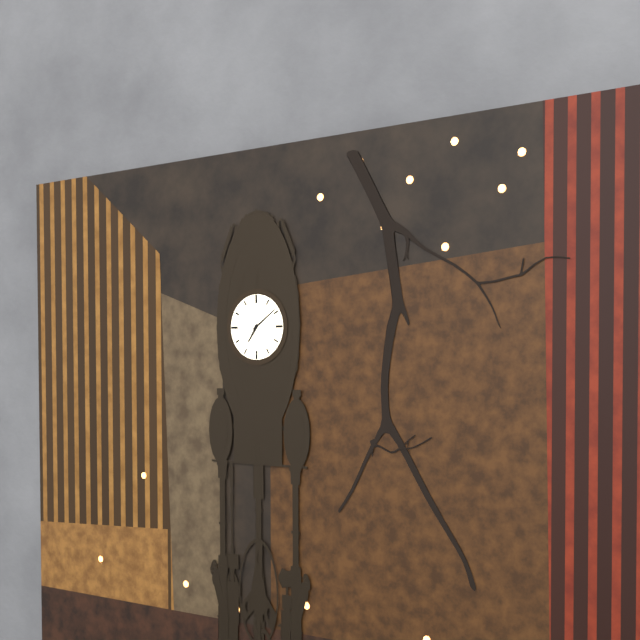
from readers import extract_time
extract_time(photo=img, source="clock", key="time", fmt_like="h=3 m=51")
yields h=7 m=9
